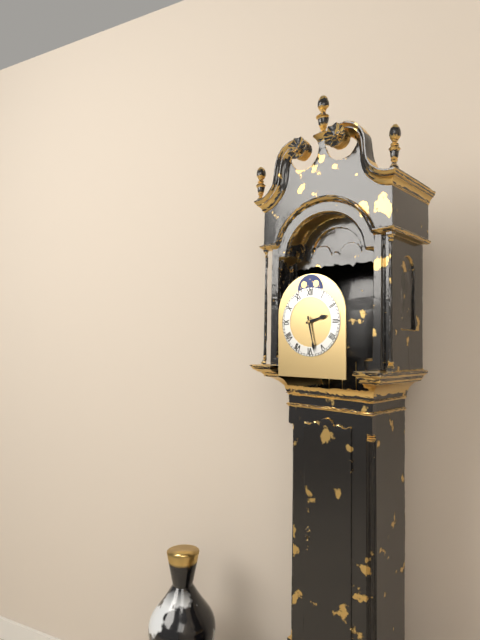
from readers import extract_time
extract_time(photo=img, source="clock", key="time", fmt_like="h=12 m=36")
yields h=2 m=28
